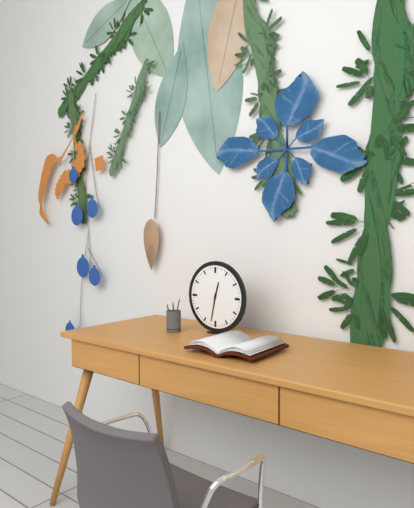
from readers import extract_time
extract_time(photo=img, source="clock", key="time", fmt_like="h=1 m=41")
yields h=12 m=32
